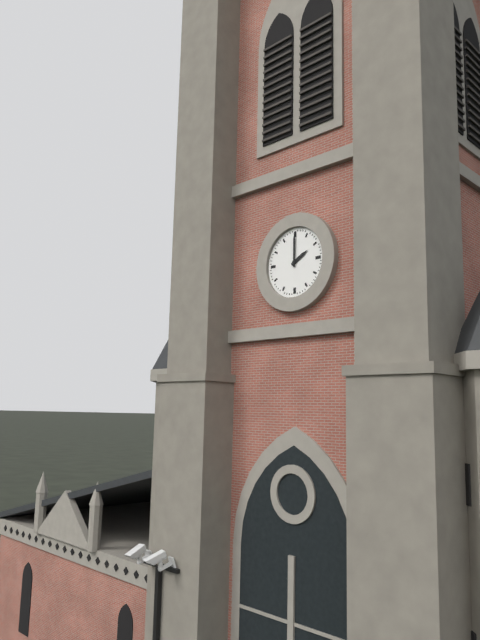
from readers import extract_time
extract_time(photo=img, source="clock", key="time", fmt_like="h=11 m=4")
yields h=2 m=0
